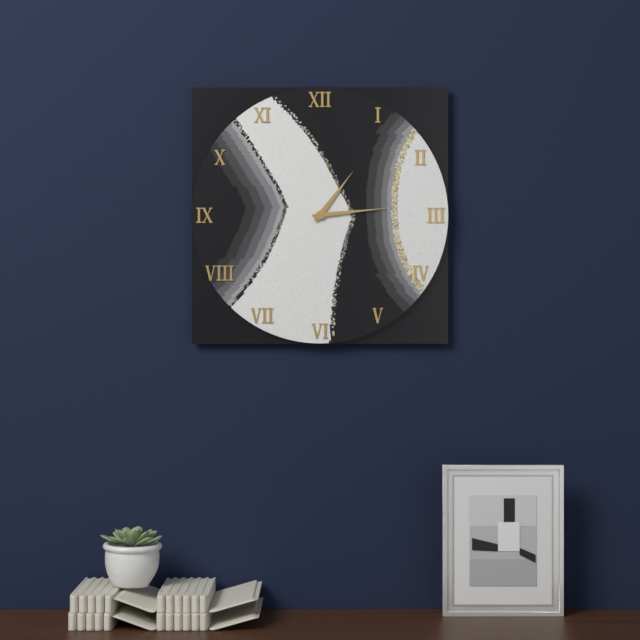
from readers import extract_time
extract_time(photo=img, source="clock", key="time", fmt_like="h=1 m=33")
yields h=1 m=14
